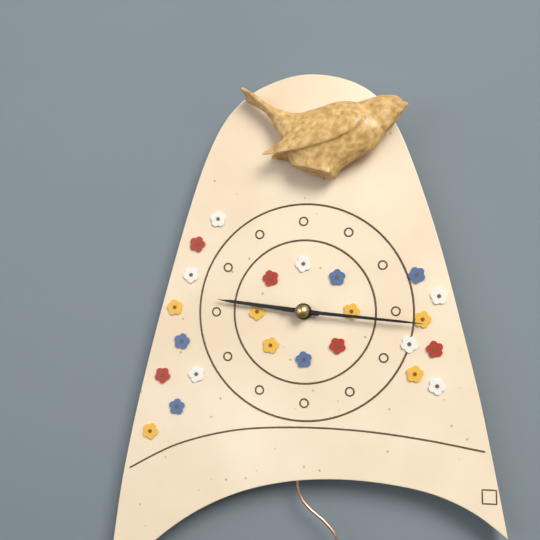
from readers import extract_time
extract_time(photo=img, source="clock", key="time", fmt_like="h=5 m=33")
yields h=9 m=16
